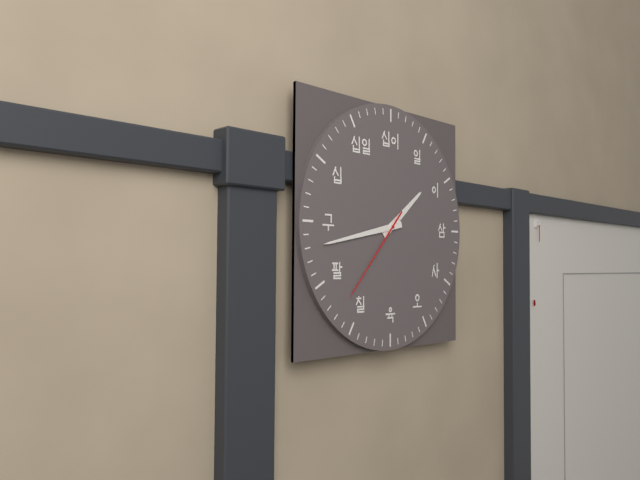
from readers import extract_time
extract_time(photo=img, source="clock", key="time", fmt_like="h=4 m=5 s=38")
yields h=1 m=43 s=37
